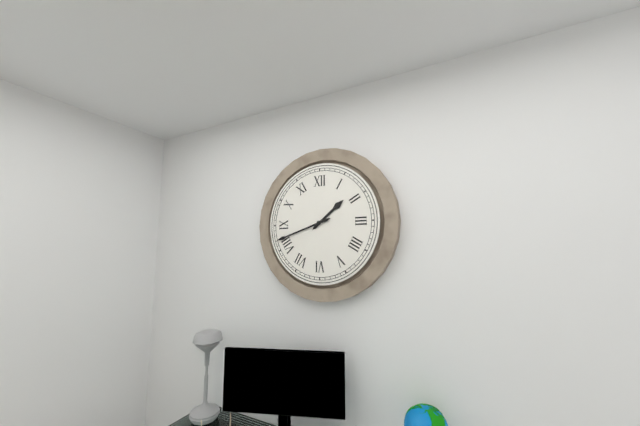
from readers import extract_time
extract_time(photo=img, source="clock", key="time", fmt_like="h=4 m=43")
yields h=1 m=42
